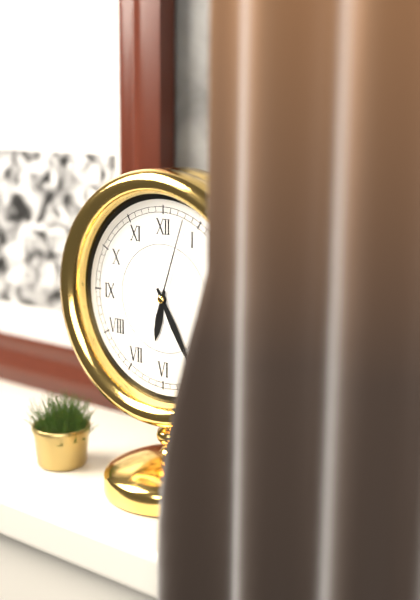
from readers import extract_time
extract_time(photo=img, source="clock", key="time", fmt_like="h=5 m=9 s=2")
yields h=6 m=25 s=3
